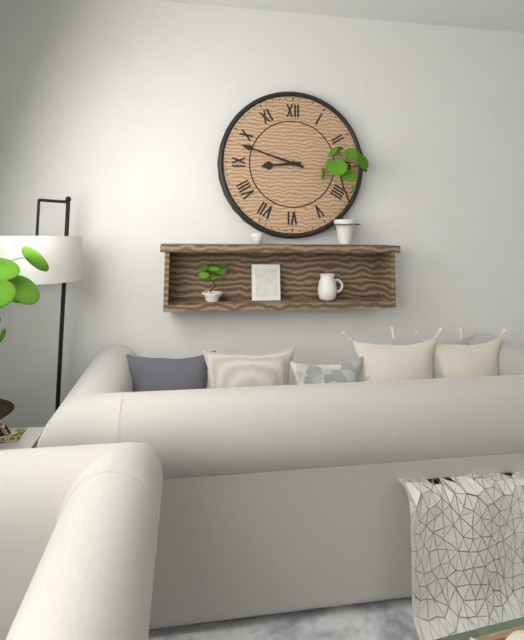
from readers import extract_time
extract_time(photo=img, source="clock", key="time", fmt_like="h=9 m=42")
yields h=8 m=48
